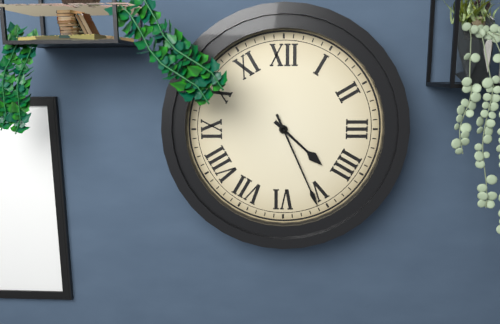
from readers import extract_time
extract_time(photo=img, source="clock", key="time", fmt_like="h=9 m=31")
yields h=4 m=26
